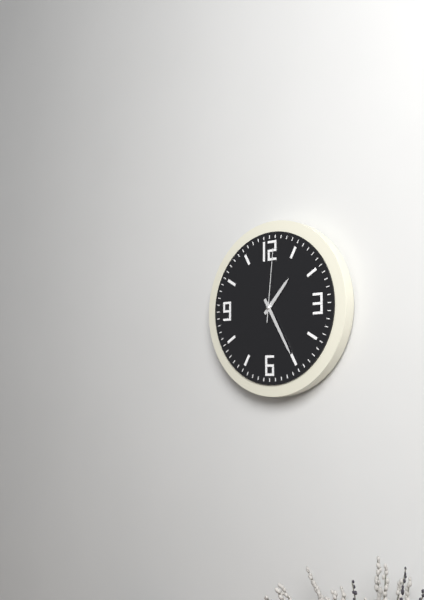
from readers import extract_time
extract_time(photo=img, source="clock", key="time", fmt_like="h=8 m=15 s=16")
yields h=1 m=25 s=1
